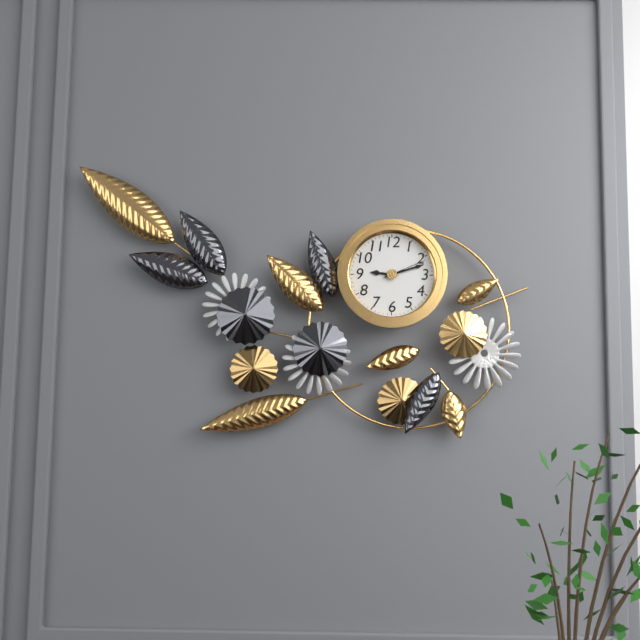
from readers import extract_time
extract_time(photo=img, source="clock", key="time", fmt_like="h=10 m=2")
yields h=9 m=12
